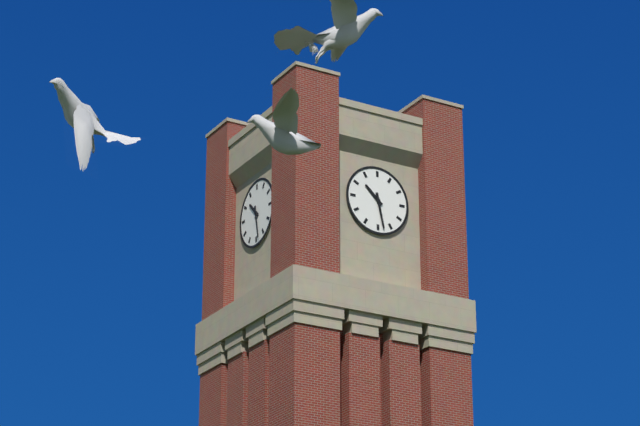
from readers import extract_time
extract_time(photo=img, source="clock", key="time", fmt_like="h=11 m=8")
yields h=10 m=28
